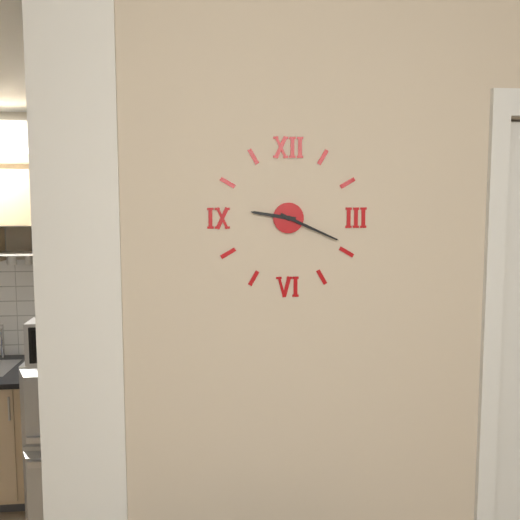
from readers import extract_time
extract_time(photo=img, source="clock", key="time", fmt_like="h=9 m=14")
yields h=9 m=19
